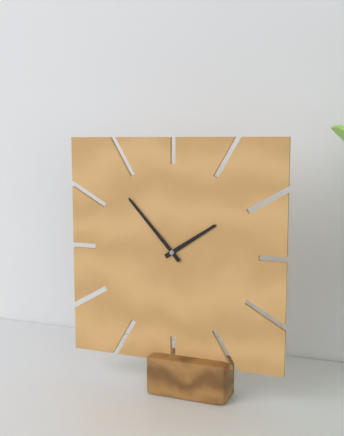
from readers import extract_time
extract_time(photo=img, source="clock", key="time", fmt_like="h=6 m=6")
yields h=1 m=53
